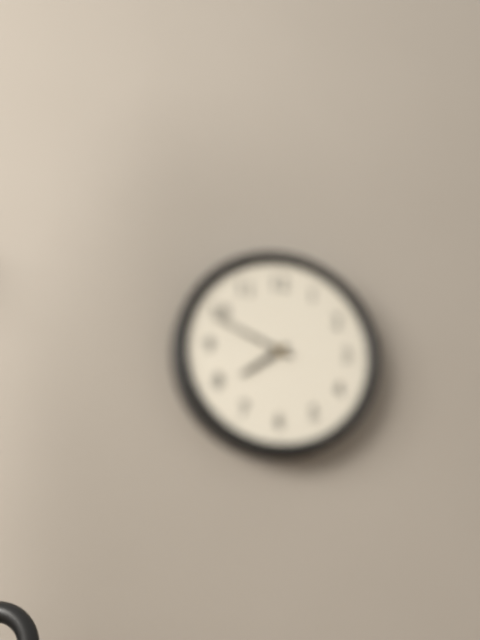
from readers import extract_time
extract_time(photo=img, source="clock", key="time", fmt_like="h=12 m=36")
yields h=7 m=49
